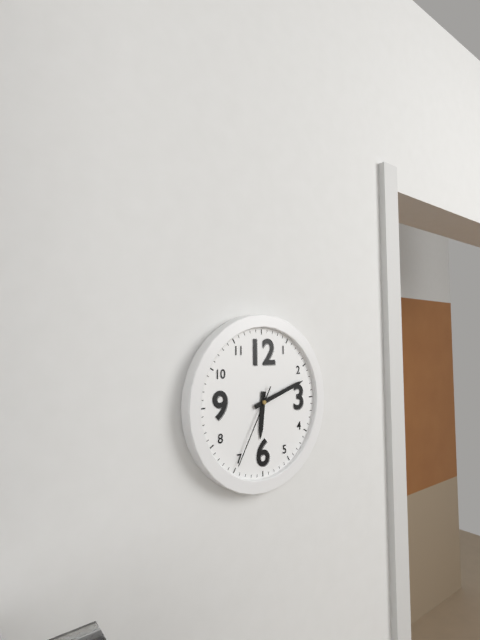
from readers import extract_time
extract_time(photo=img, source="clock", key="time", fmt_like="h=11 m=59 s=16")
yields h=6 m=12 s=35
